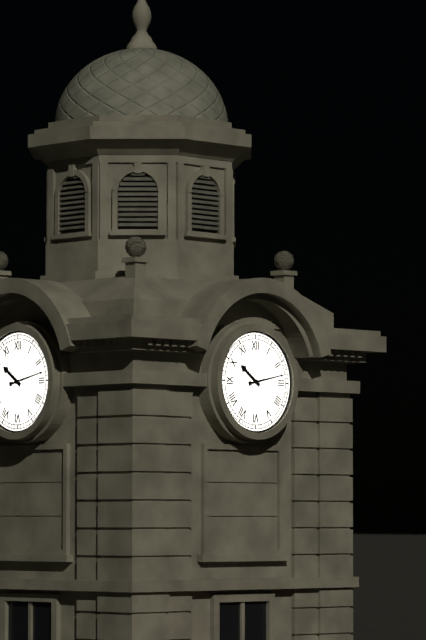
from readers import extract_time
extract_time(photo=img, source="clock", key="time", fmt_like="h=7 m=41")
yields h=10 m=13
